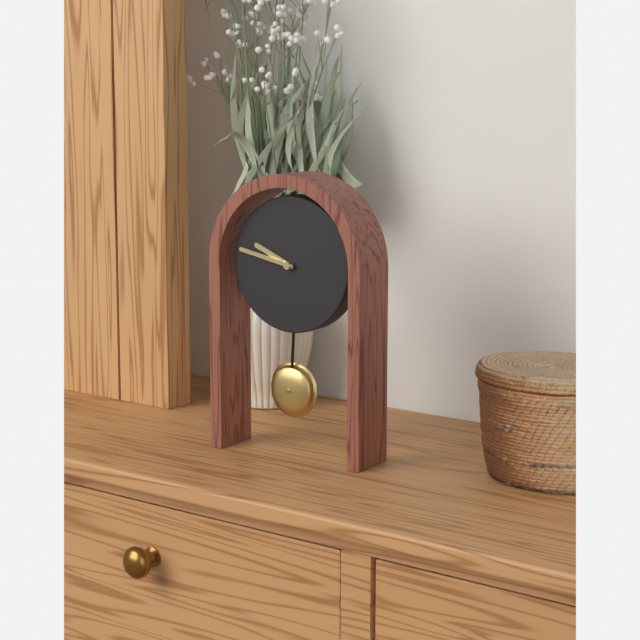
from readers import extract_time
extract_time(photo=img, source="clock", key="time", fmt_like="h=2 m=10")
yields h=9 m=47
